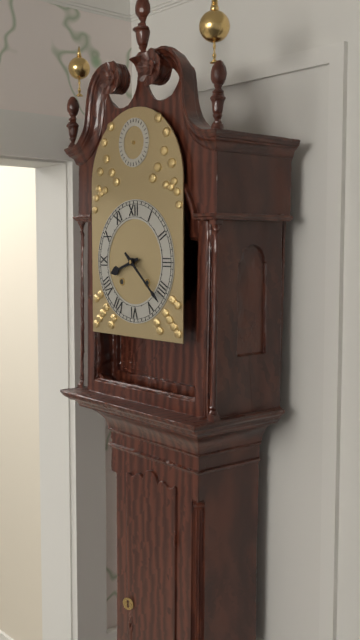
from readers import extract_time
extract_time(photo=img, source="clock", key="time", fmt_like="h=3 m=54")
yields h=8 m=22
